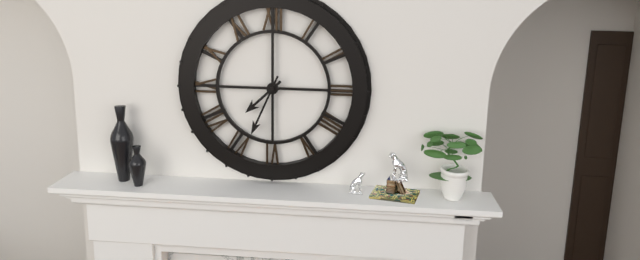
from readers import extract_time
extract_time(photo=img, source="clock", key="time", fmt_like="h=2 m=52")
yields h=7 m=34
